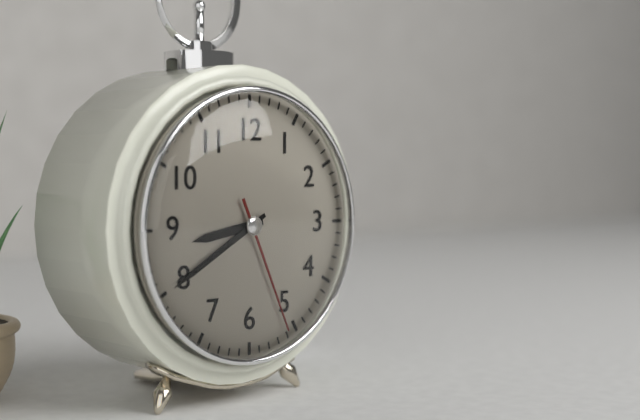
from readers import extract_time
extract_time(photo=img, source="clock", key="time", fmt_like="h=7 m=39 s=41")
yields h=8 m=40 s=26
